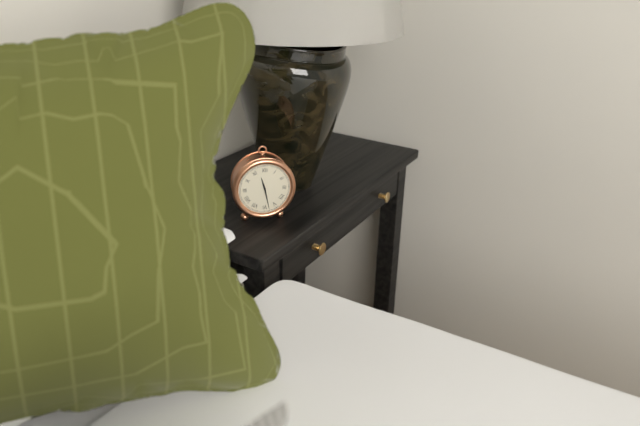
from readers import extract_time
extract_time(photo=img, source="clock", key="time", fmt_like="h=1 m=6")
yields h=11 m=28
